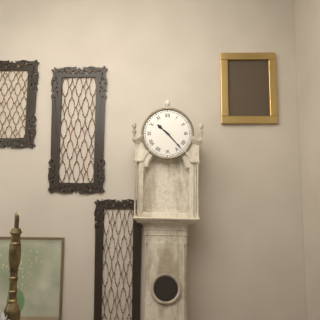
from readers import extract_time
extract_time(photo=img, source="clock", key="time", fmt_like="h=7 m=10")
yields h=10 m=23
